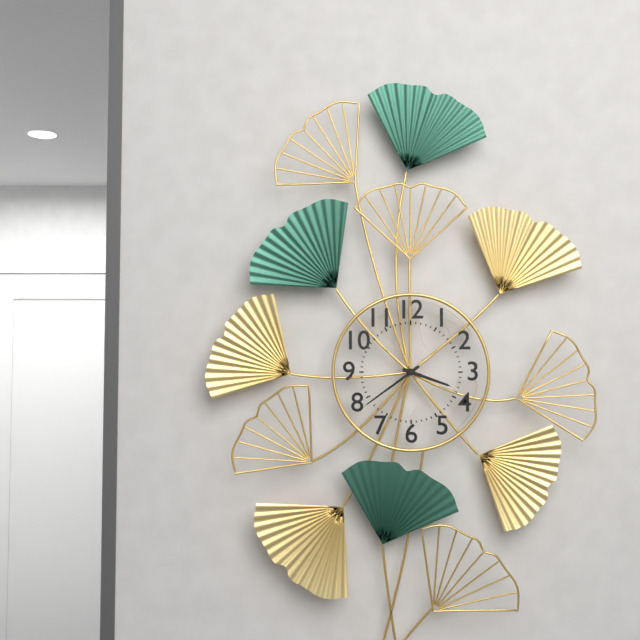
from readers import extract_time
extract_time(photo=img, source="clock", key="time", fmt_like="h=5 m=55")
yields h=3 m=39
